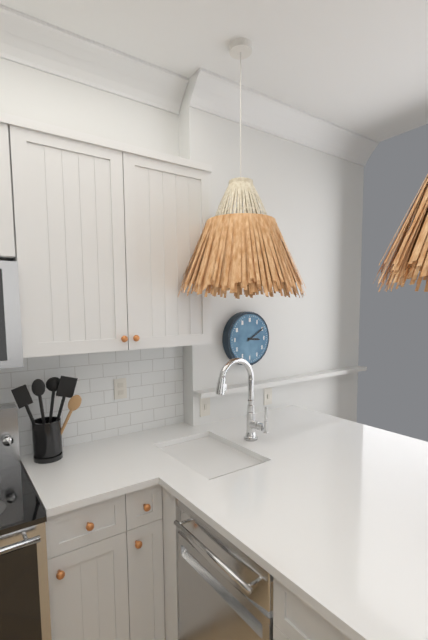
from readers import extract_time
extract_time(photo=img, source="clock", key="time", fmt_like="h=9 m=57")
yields h=3 m=10
